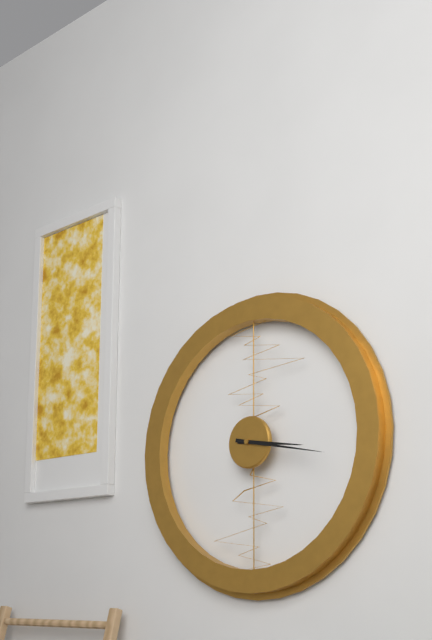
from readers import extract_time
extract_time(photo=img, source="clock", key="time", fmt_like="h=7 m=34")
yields h=3 m=17
